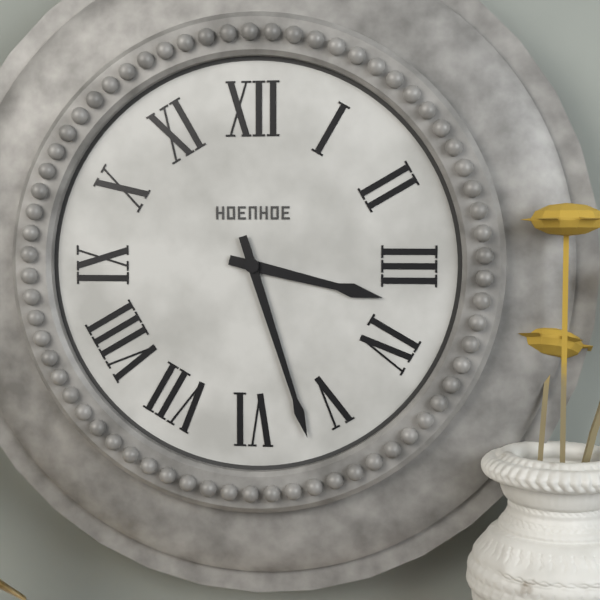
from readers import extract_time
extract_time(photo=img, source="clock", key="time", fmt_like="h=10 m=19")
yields h=3 m=27
